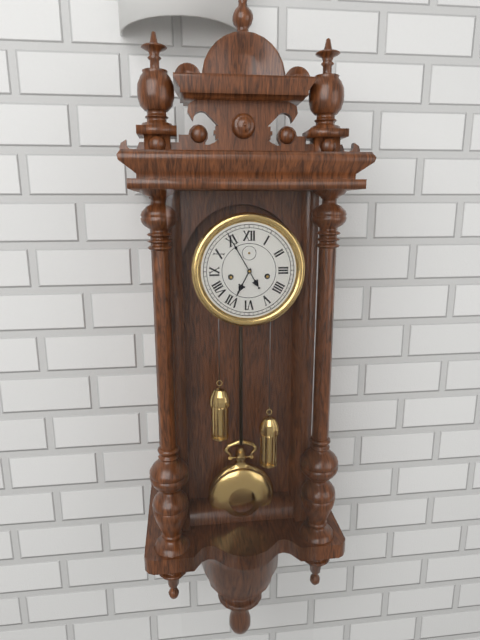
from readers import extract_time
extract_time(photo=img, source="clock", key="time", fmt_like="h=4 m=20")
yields h=6 m=55
